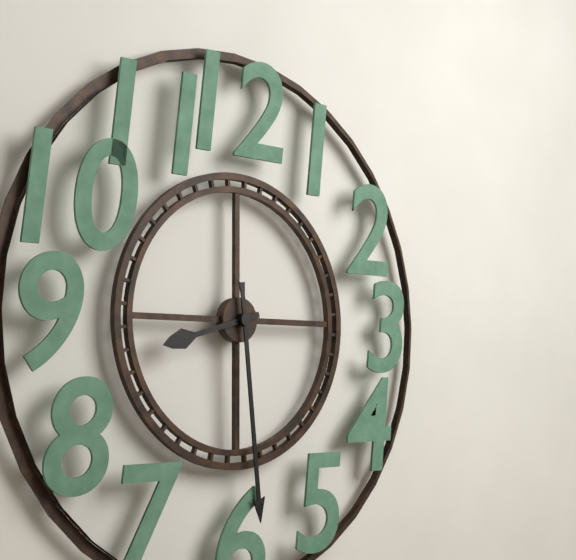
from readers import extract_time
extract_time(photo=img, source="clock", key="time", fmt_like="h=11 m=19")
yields h=8 m=29
